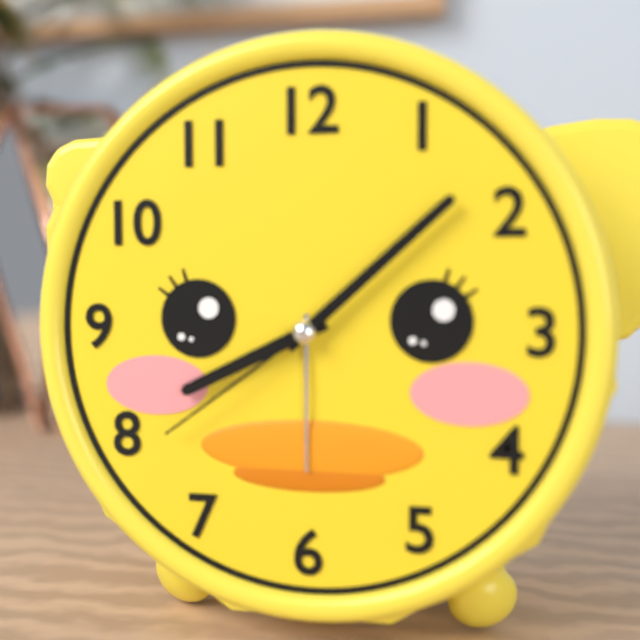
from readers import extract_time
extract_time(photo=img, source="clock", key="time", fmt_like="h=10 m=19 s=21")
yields h=8 m=8 s=39
